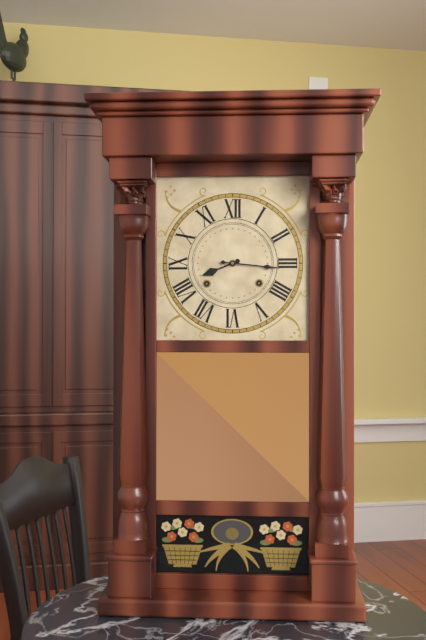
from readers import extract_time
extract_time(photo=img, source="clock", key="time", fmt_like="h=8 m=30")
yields h=8 m=16
